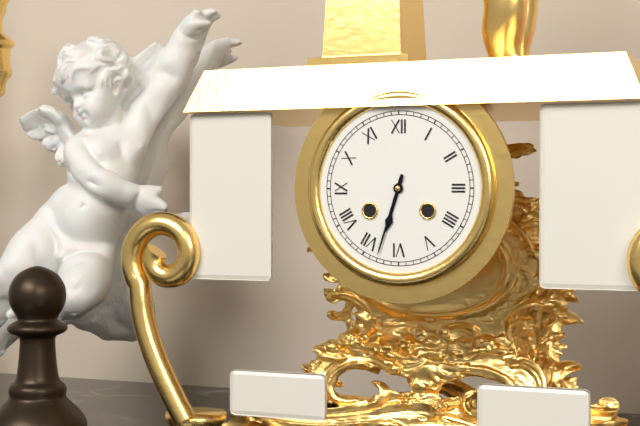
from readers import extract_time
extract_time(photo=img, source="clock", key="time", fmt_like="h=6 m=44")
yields h=6 m=33
